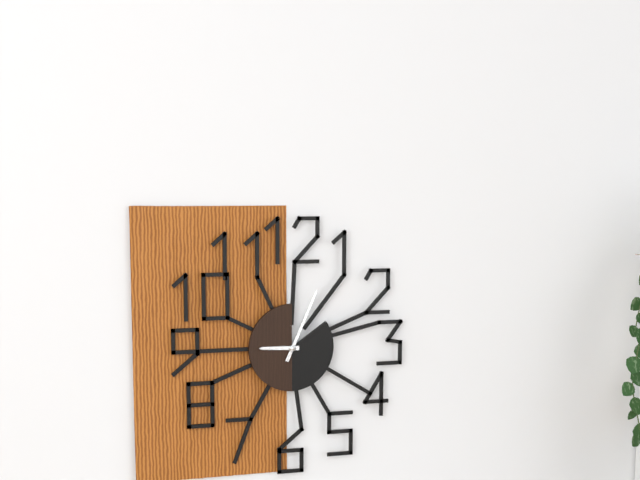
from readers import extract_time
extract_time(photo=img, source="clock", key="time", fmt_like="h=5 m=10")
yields h=9 m=4
